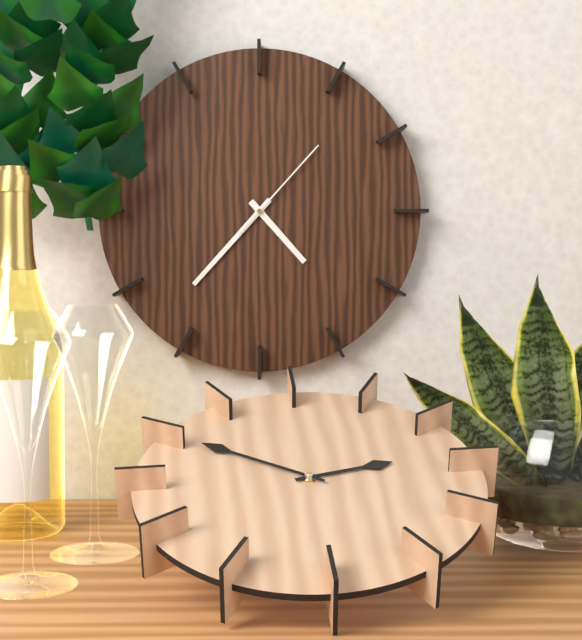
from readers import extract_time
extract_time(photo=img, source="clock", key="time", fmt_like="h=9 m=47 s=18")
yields h=4 m=37 s=7
